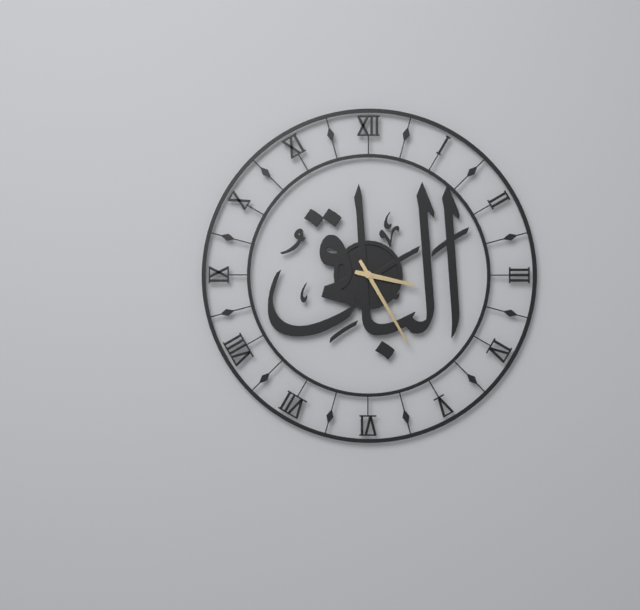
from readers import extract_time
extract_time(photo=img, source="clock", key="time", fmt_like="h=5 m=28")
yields h=3 m=25
